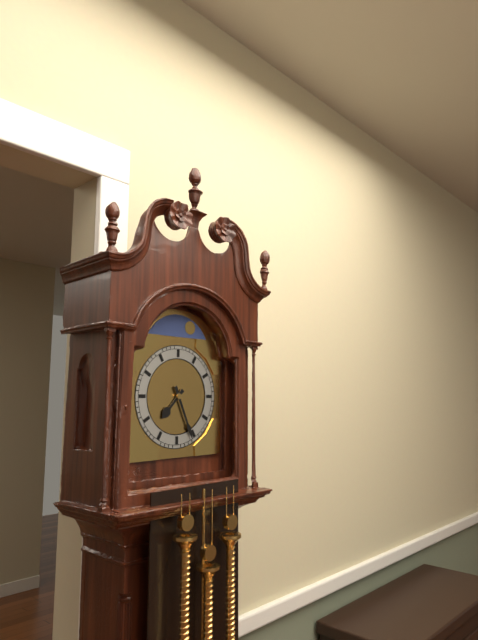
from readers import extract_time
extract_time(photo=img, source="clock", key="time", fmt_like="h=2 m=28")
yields h=7 m=26
